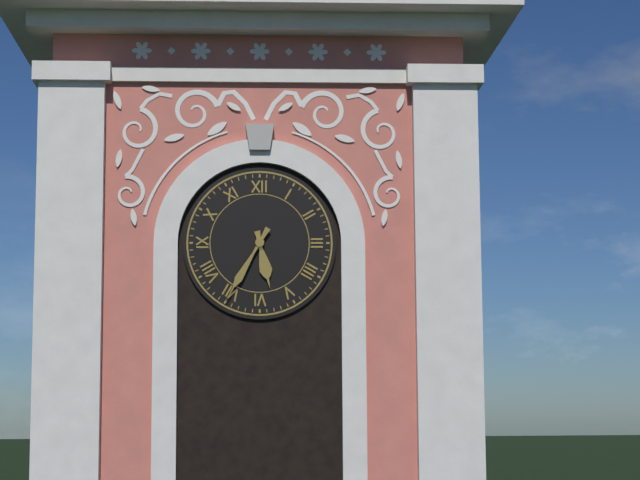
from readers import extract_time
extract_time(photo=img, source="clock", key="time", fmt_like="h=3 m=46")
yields h=5 m=35
